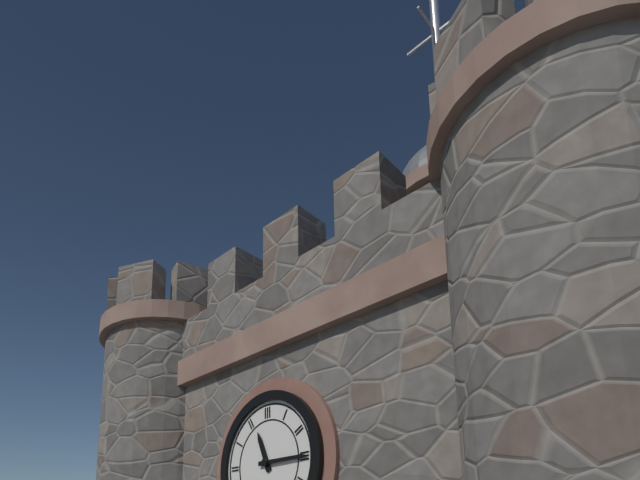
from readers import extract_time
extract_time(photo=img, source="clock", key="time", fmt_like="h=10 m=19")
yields h=11 m=15
